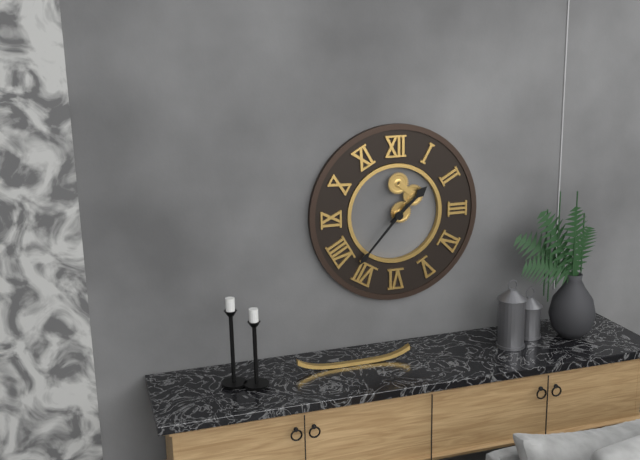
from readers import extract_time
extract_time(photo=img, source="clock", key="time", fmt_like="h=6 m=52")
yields h=1 m=37
